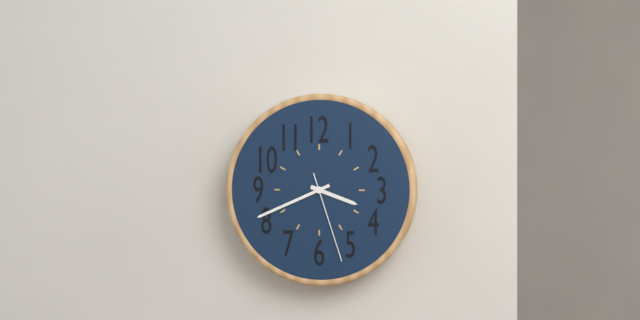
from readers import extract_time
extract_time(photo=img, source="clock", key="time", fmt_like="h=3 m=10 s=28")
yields h=3 m=41 s=27
